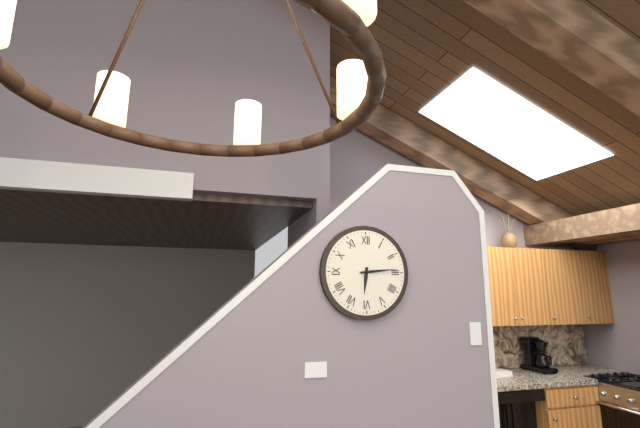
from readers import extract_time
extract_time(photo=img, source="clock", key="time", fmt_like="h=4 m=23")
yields h=6 m=14
